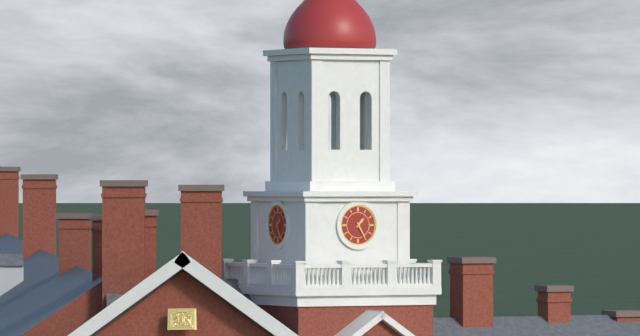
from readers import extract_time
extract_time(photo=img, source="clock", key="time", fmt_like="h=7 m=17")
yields h=1 m=25
